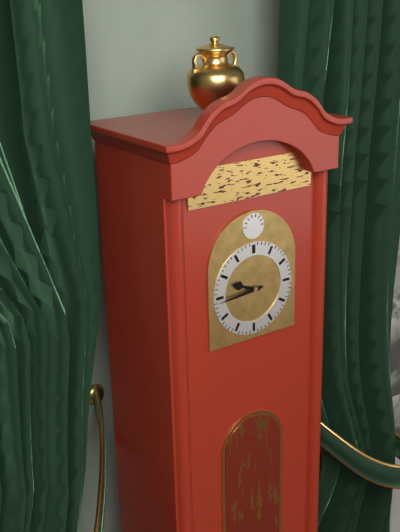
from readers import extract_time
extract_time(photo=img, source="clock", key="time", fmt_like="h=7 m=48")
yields h=9 m=44
